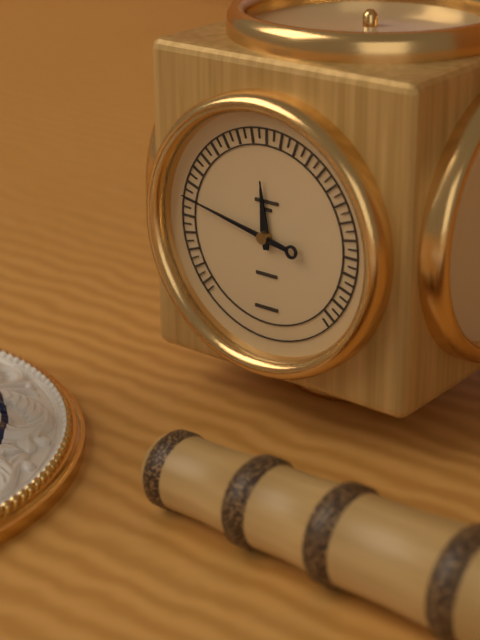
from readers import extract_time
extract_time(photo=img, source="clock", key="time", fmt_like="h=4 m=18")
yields h=11 m=47
